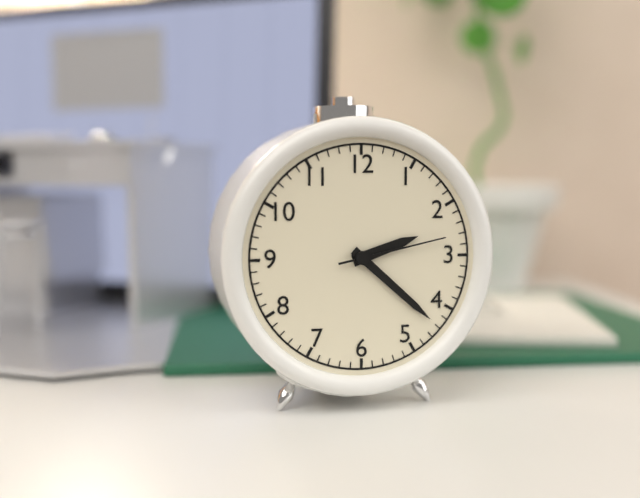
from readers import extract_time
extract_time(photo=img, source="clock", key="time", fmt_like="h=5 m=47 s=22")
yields h=2 m=22 s=13
